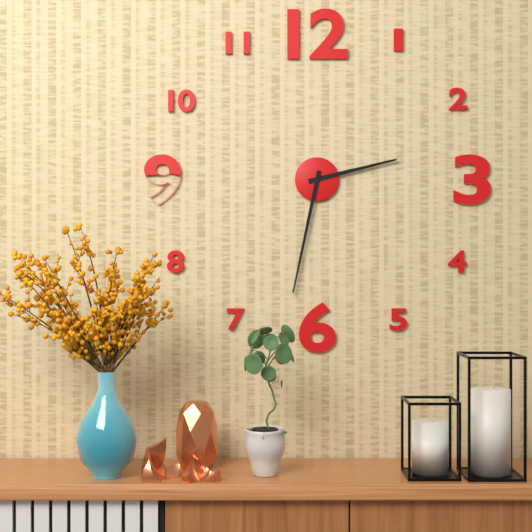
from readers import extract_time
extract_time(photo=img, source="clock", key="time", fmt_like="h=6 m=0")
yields h=2 m=32
